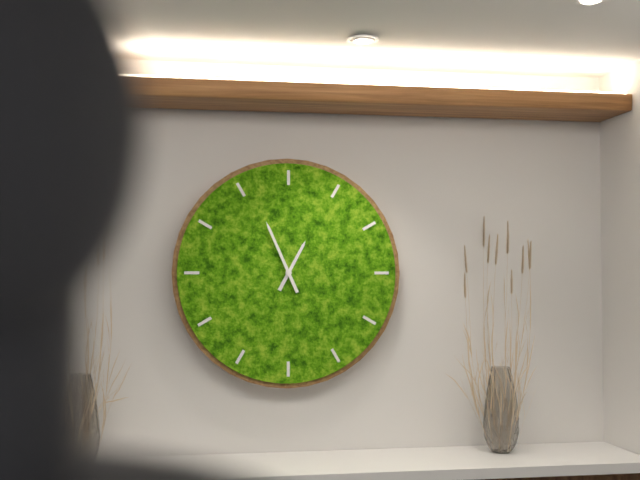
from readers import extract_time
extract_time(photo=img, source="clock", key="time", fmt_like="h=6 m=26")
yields h=12 m=56
